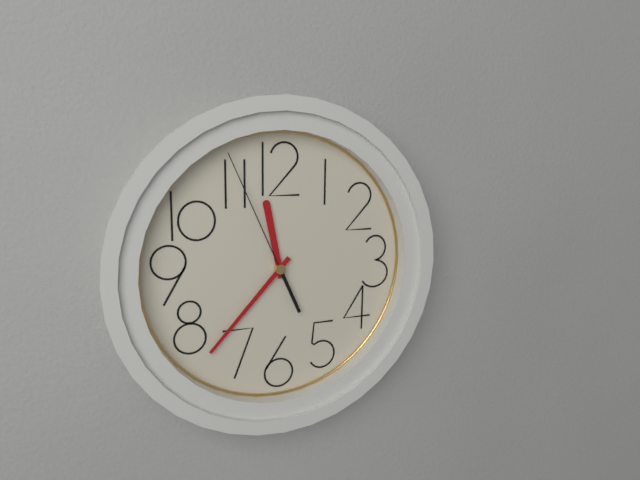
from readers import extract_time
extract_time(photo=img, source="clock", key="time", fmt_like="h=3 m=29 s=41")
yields h=11 m=37 s=56
